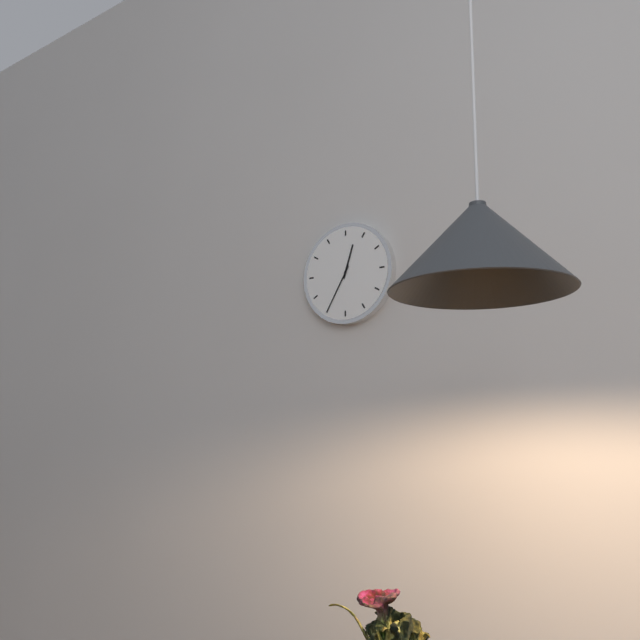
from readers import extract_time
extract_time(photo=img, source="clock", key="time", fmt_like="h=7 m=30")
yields h=12 m=35
